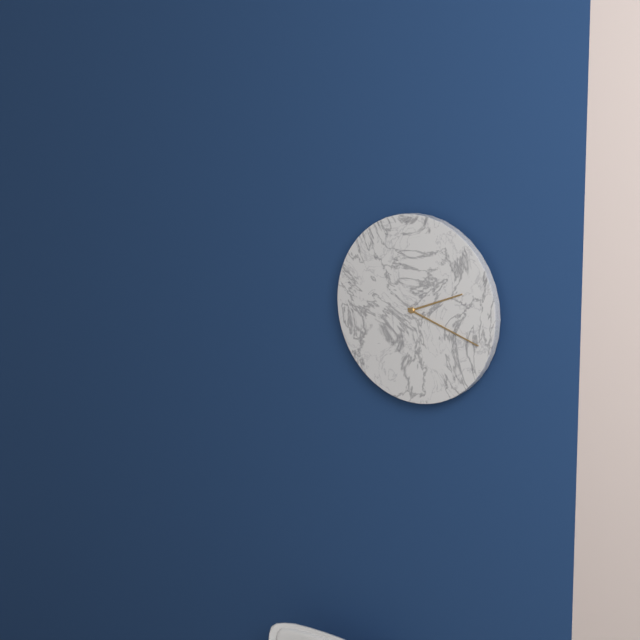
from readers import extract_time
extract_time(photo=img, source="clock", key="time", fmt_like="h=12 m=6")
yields h=2 m=18
